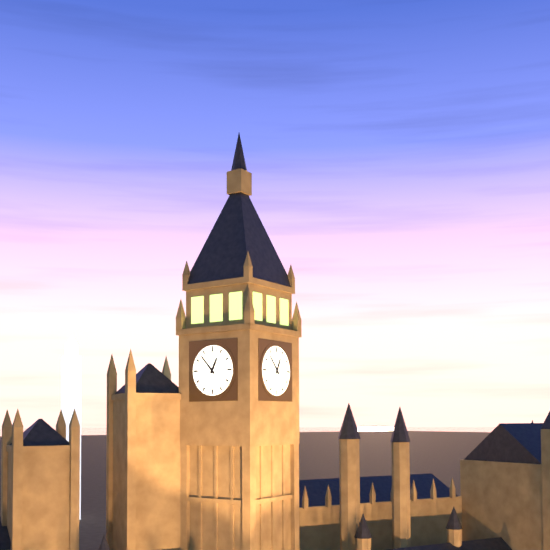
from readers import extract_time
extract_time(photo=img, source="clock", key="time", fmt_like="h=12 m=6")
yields h=12 m=53
